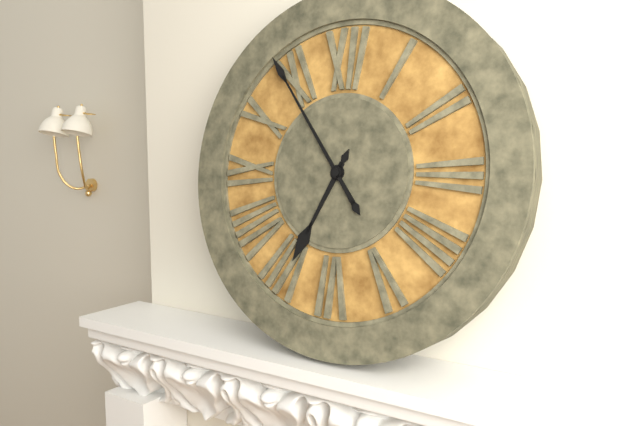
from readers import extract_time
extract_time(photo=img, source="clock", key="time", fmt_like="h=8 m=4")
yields h=6 m=54
